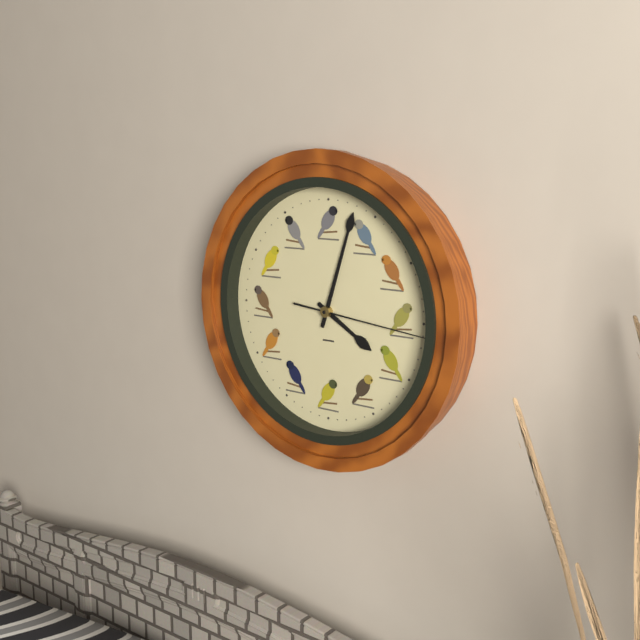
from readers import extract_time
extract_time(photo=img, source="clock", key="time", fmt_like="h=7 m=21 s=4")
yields h=4 m=3 s=16
